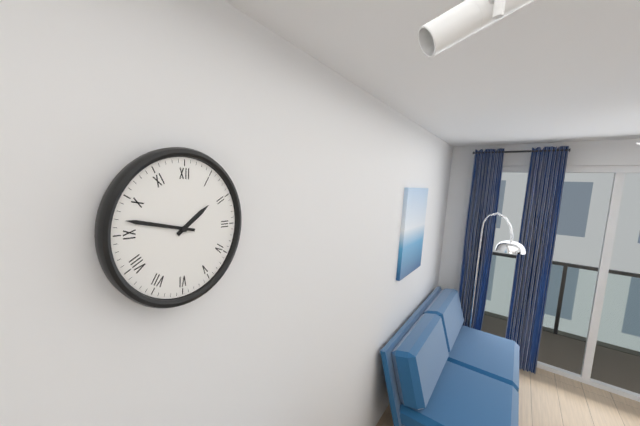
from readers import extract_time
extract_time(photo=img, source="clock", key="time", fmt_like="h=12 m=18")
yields h=1 m=47
